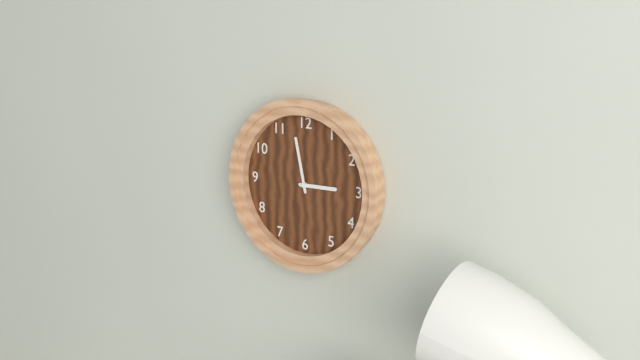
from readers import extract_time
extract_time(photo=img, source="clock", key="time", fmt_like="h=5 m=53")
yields h=2 m=58
